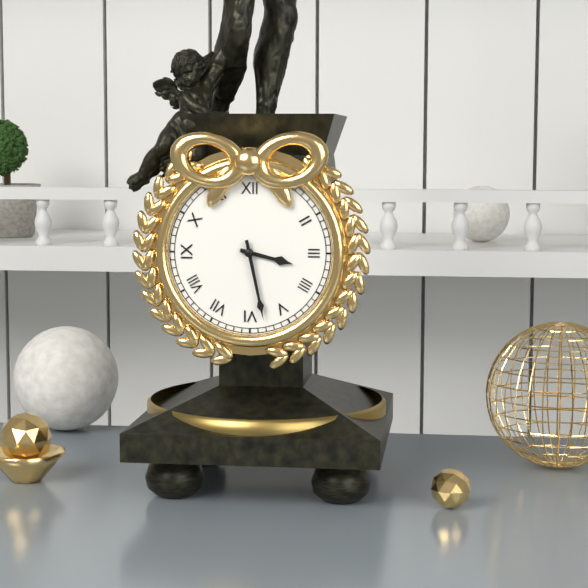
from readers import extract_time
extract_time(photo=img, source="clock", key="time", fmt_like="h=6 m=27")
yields h=3 m=28
